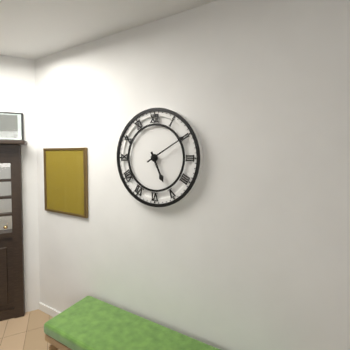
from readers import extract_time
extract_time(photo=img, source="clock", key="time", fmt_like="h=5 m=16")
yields h=5 m=10
